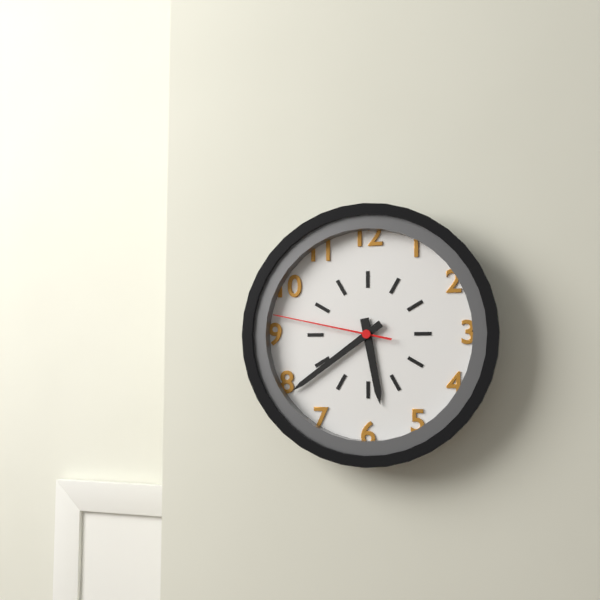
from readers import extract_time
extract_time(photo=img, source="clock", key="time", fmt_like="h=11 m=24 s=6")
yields h=5 m=39 s=47
